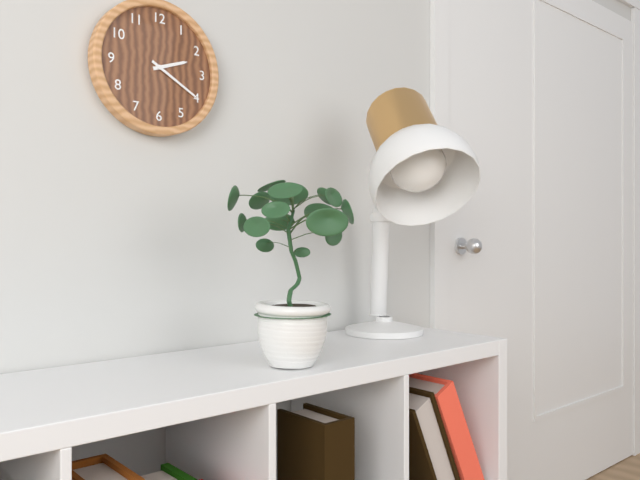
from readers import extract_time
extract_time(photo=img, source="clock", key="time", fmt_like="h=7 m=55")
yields h=2 m=20
